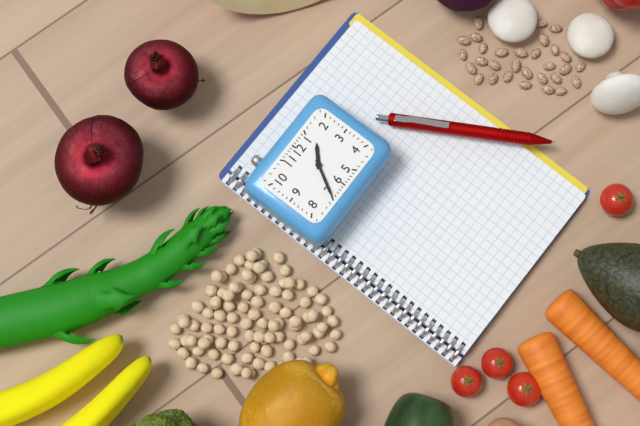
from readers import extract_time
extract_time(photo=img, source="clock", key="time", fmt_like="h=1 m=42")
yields h=1 m=35
